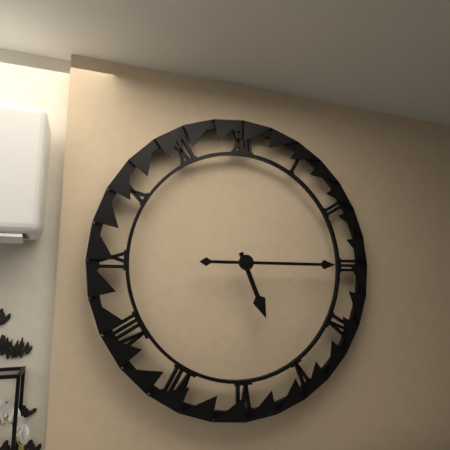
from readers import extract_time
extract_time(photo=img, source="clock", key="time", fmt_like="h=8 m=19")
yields h=5 m=15
